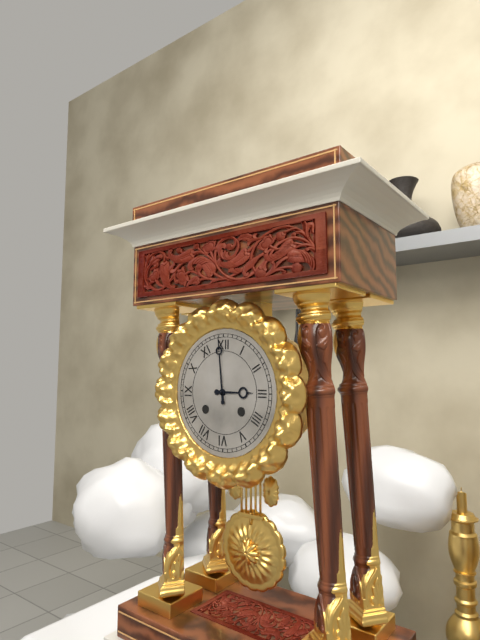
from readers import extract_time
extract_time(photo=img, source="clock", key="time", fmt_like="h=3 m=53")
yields h=2 m=59
